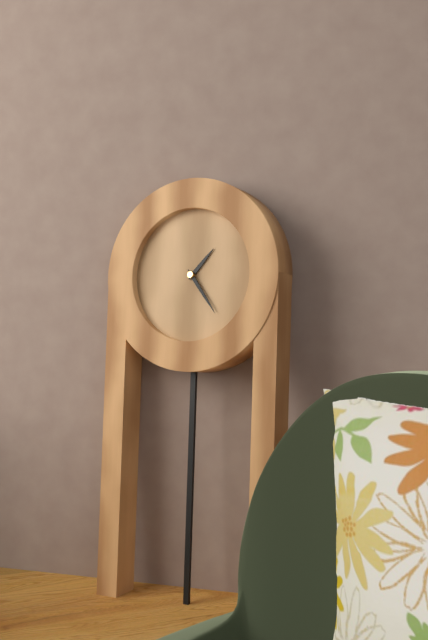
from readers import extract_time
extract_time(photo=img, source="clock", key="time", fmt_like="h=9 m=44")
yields h=1 m=24
